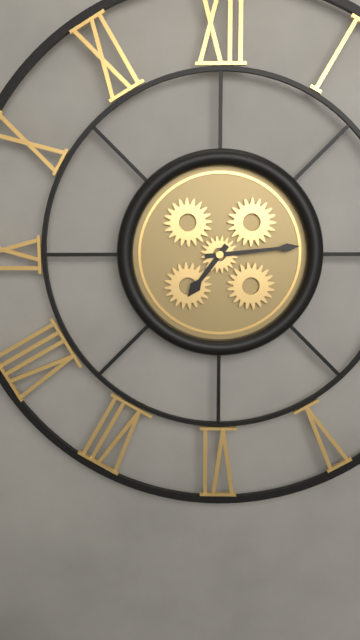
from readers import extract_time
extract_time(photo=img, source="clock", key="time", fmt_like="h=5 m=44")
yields h=7 m=14
